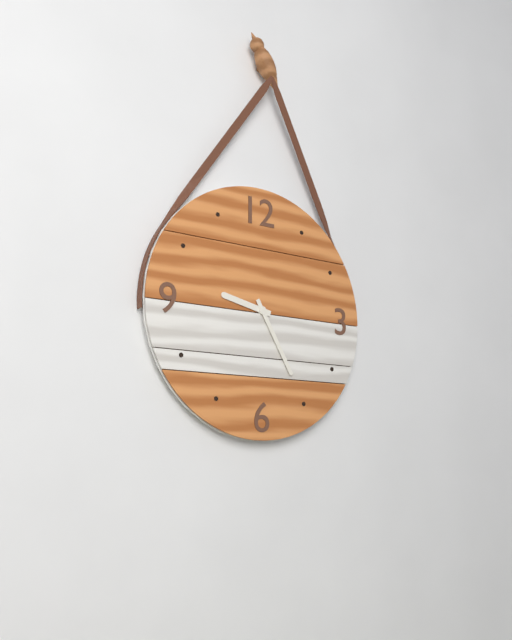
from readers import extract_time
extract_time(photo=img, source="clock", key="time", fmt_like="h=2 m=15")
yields h=9 m=25
